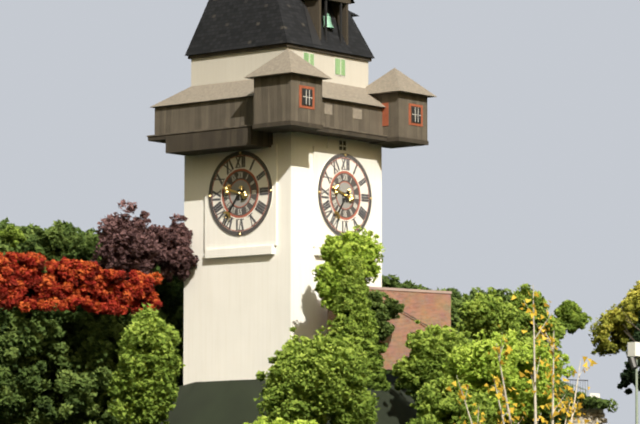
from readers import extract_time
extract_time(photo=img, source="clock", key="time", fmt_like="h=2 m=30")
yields h=9 m=36
